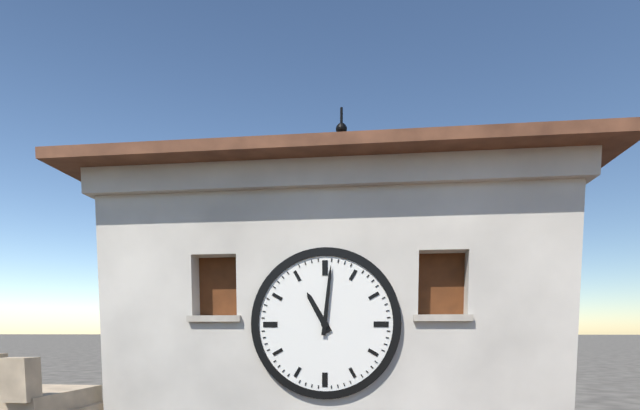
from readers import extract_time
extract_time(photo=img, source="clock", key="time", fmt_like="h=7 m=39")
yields h=11 m=1
